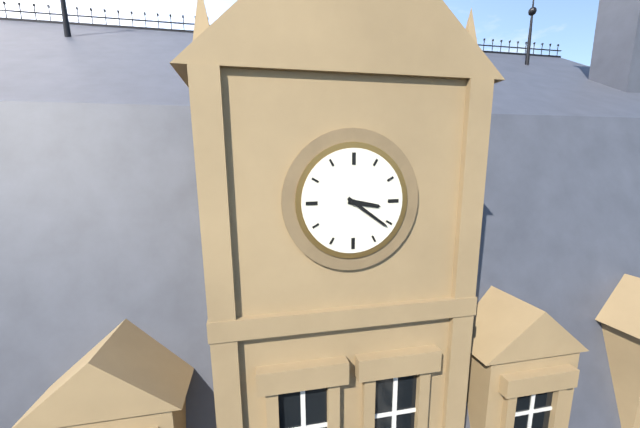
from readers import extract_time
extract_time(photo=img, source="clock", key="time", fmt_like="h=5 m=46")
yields h=3 m=21
